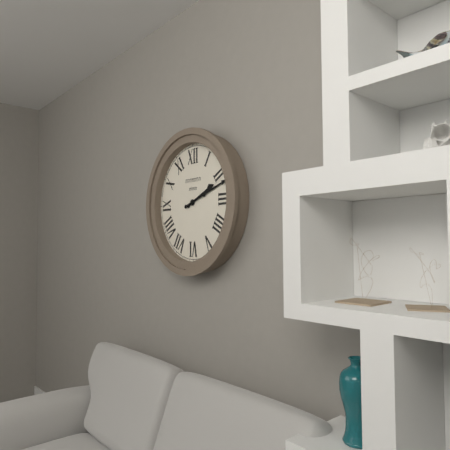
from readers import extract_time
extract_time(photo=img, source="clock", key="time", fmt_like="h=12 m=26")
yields h=2 m=12
